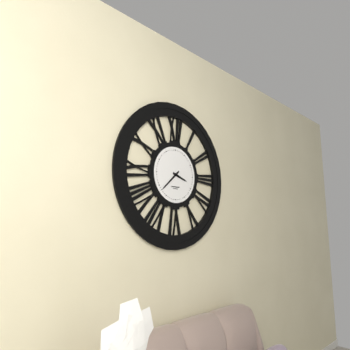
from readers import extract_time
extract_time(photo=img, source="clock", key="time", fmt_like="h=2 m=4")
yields h=3 m=38
